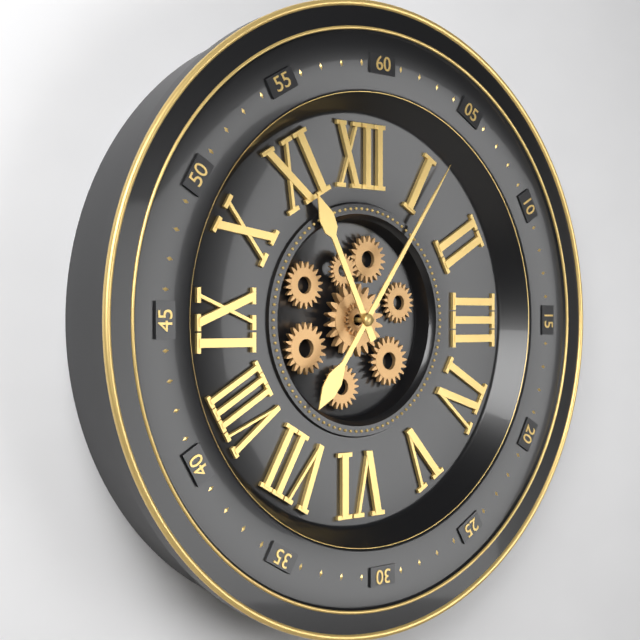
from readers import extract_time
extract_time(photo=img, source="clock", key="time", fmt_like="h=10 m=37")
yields h=11 m=6
